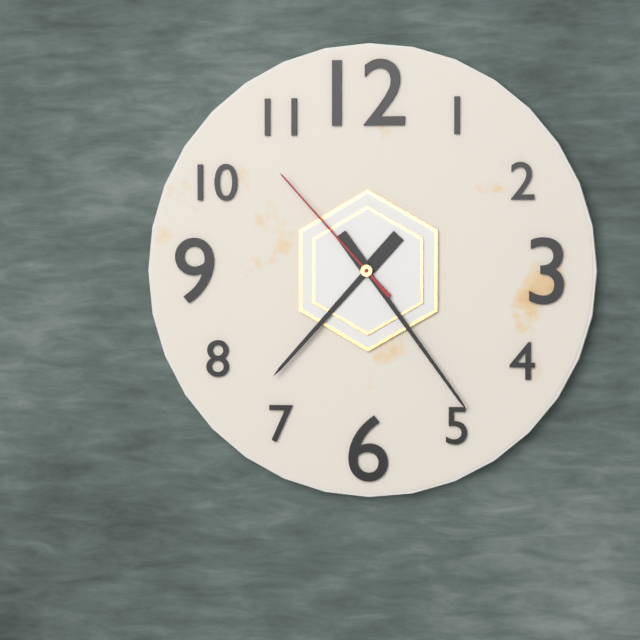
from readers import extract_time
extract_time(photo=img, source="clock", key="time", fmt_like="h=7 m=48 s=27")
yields h=7 m=24 s=53
